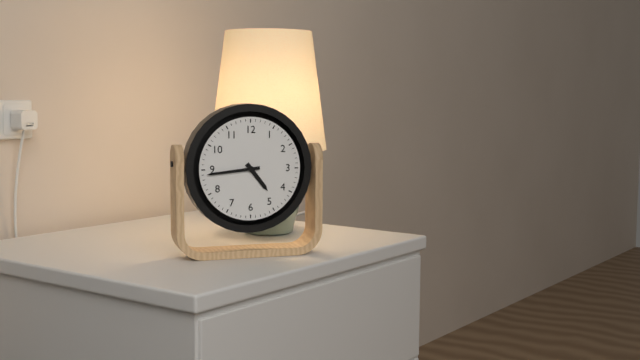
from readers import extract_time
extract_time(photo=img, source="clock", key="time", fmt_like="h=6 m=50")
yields h=4 m=44
